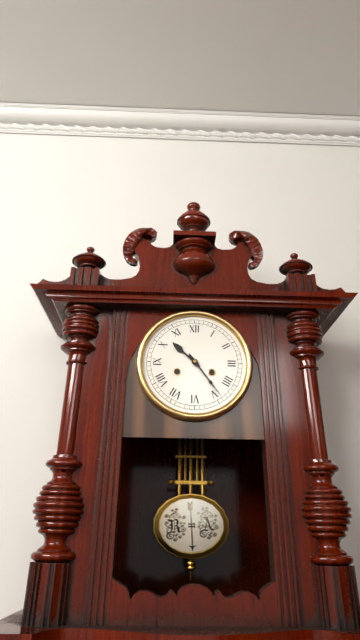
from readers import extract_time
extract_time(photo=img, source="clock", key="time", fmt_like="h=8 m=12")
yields h=10 m=24
